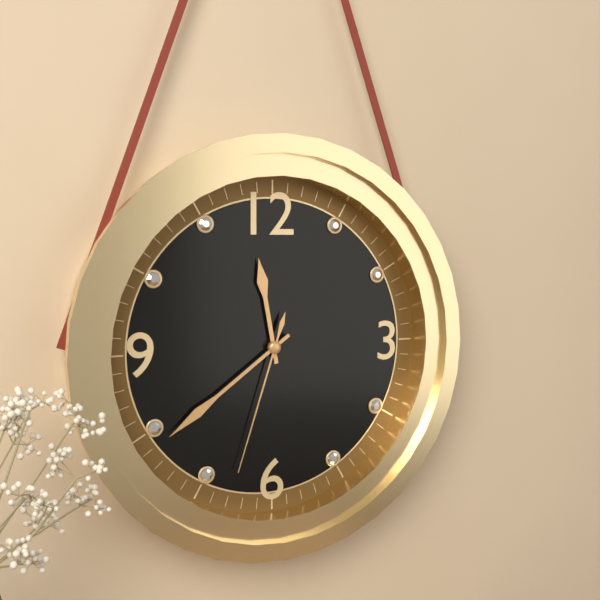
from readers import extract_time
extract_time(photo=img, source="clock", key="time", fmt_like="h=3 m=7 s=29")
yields h=11 m=39 s=33
